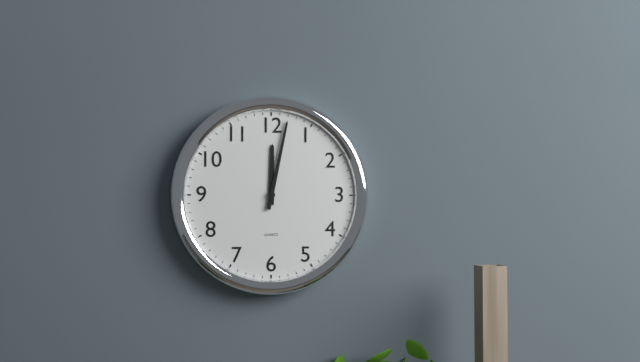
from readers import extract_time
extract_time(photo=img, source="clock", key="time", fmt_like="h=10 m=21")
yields h=12 m=2
